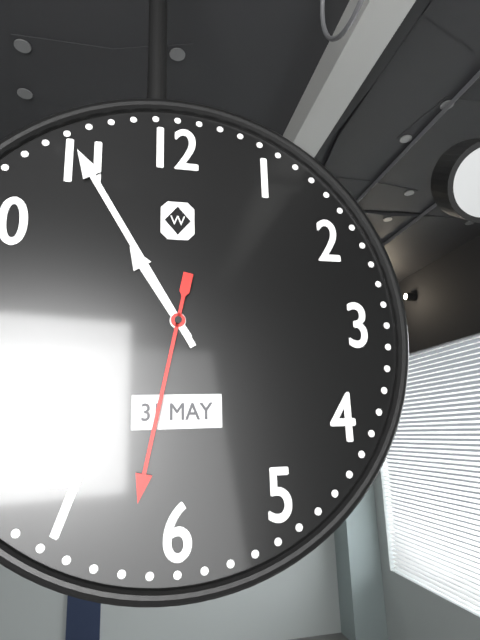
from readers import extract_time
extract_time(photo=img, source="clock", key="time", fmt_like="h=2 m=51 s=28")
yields h=10 m=55 s=32
